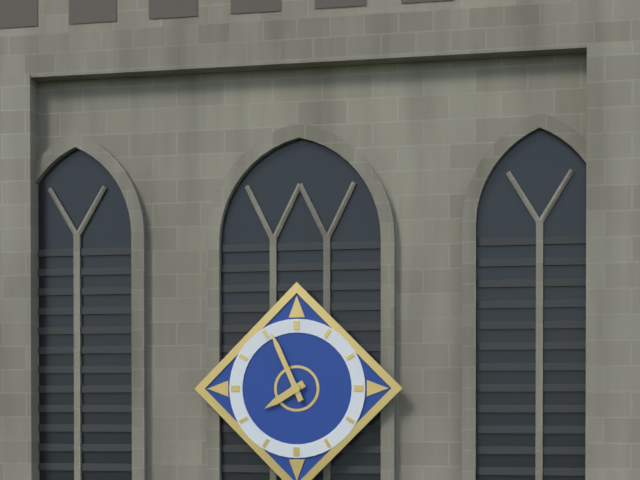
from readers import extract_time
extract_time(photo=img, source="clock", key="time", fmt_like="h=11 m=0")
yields h=7 m=56
